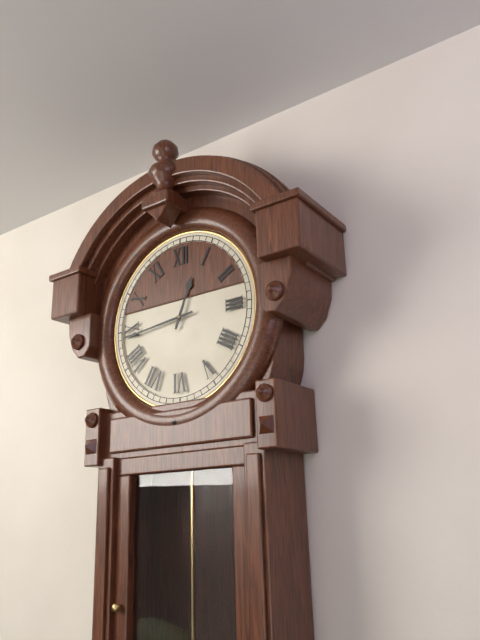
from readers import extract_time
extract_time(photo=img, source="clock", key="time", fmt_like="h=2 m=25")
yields h=12 m=44
